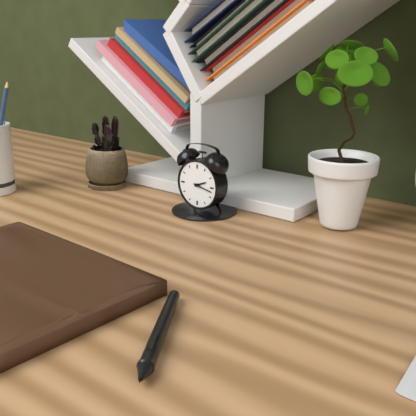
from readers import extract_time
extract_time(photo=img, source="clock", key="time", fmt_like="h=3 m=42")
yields h=2 m=17
